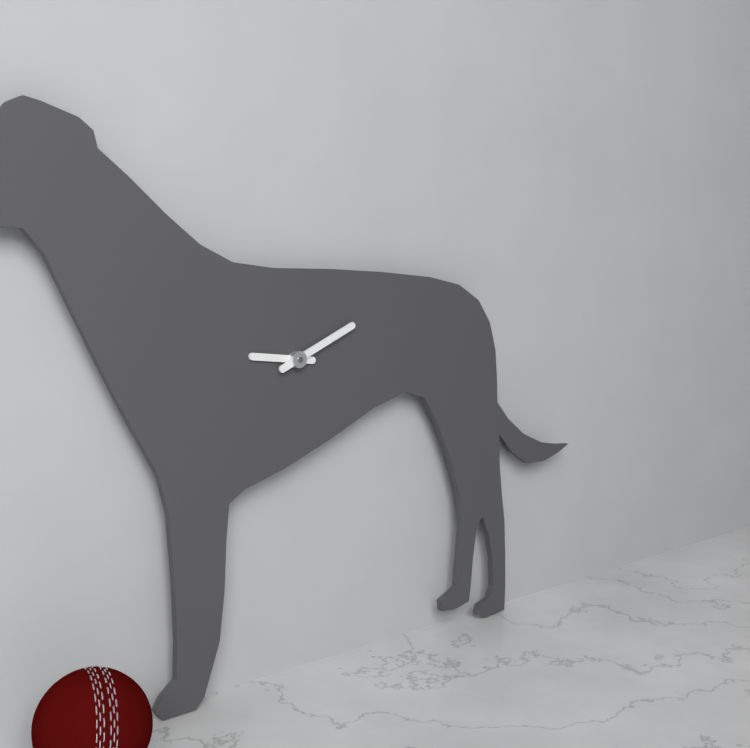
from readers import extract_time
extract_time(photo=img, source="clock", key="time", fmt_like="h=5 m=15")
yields h=9 m=11
